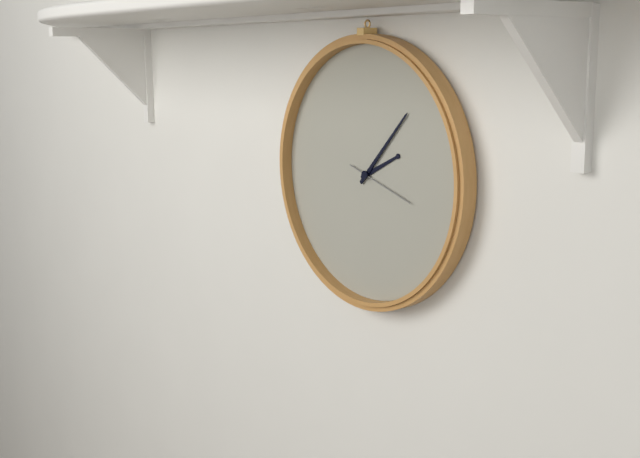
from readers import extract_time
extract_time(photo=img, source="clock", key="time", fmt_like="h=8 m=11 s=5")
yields h=2 m=7 s=18
